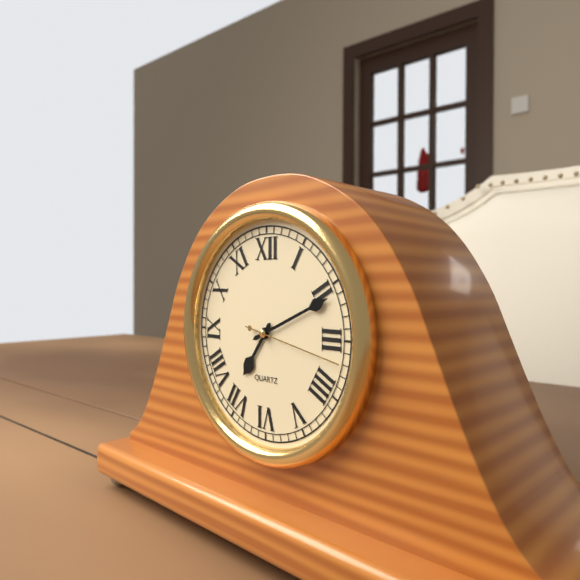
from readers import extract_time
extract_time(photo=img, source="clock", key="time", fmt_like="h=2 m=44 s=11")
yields h=7 m=11 s=17
